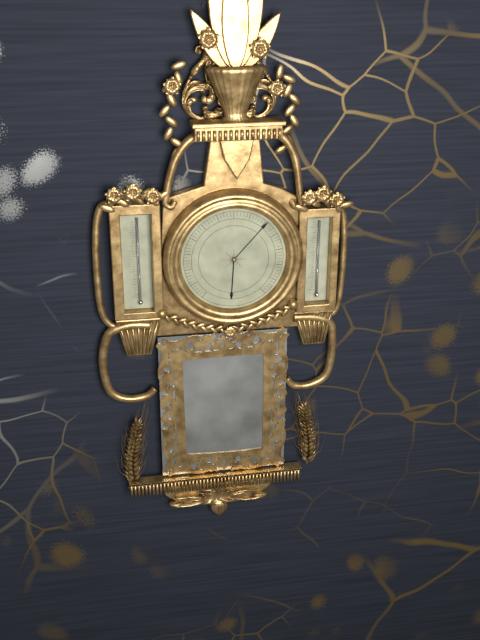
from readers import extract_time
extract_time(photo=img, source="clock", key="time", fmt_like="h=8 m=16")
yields h=6 m=7
